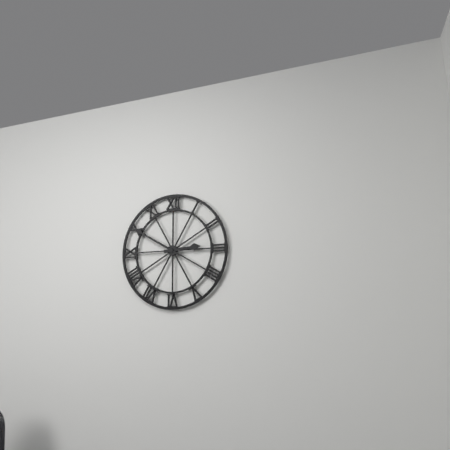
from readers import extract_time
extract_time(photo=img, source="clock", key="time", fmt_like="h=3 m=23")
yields h=2 m=50
